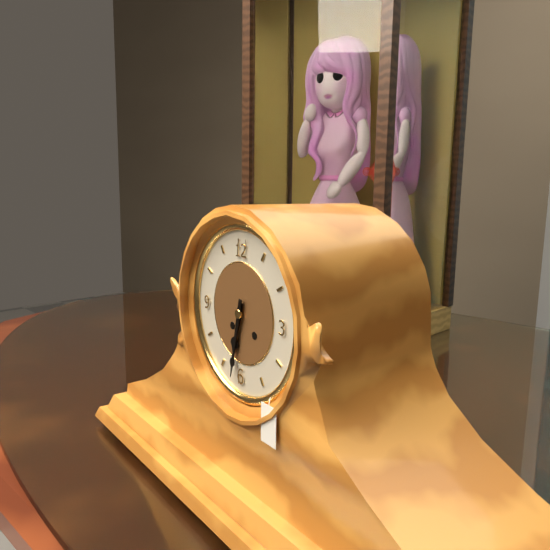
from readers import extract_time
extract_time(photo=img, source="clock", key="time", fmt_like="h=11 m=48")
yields h=6 m=32
